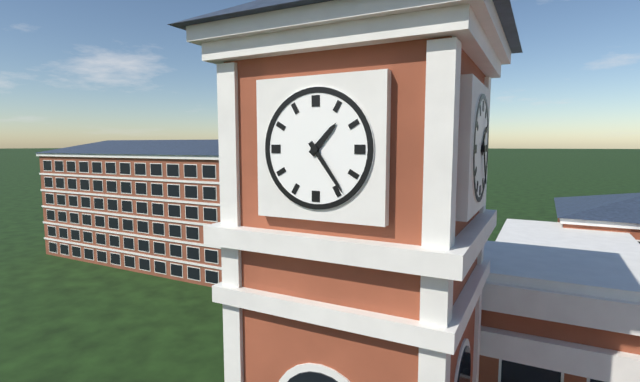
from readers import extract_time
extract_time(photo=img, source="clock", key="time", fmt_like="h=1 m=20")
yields h=1 m=24
